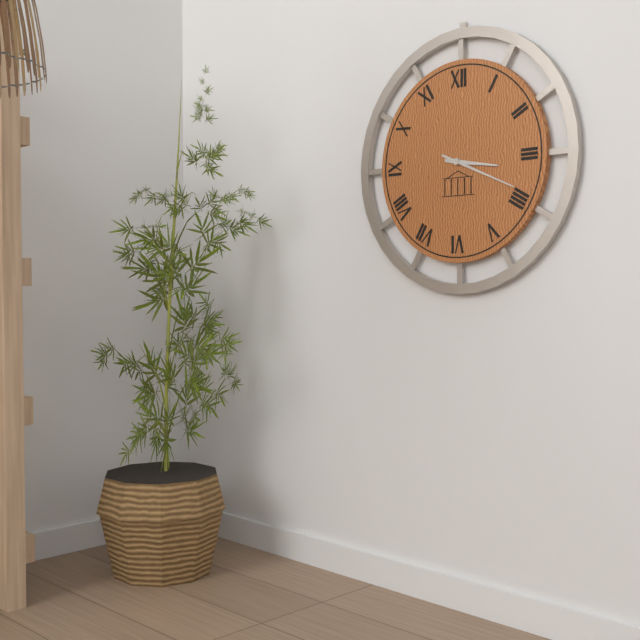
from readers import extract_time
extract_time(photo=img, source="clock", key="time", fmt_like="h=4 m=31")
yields h=3 m=19
